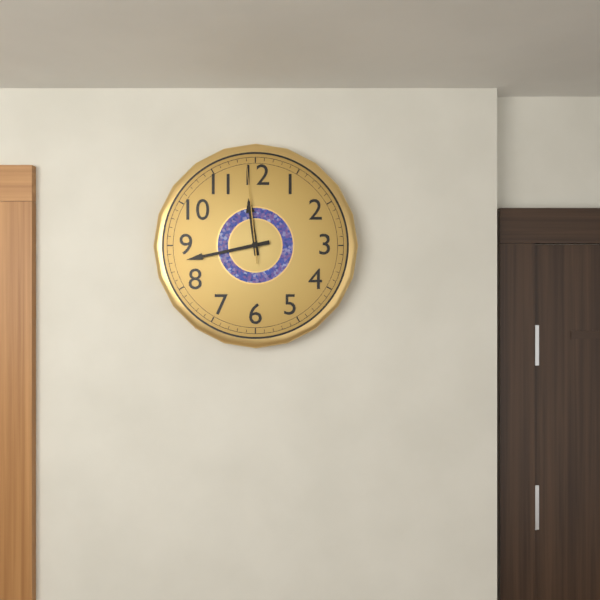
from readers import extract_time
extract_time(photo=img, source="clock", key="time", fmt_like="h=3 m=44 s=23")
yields h=11 m=43 s=59
